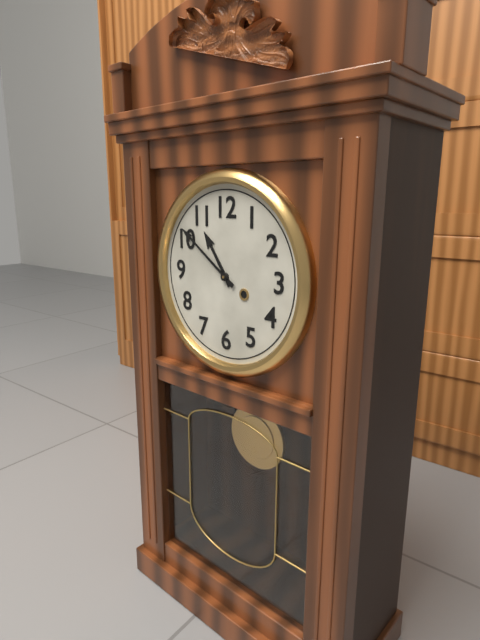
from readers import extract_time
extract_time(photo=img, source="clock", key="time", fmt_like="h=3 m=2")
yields h=10 m=51
